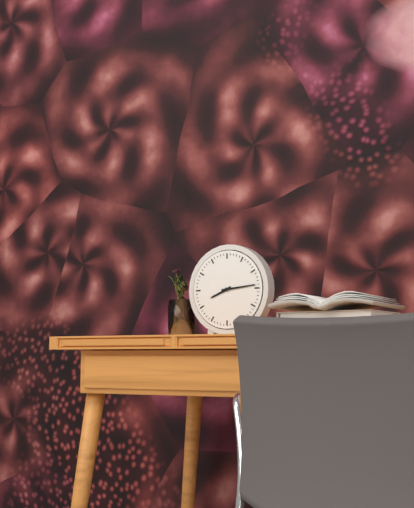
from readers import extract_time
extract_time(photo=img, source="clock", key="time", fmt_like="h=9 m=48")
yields h=8 m=14
